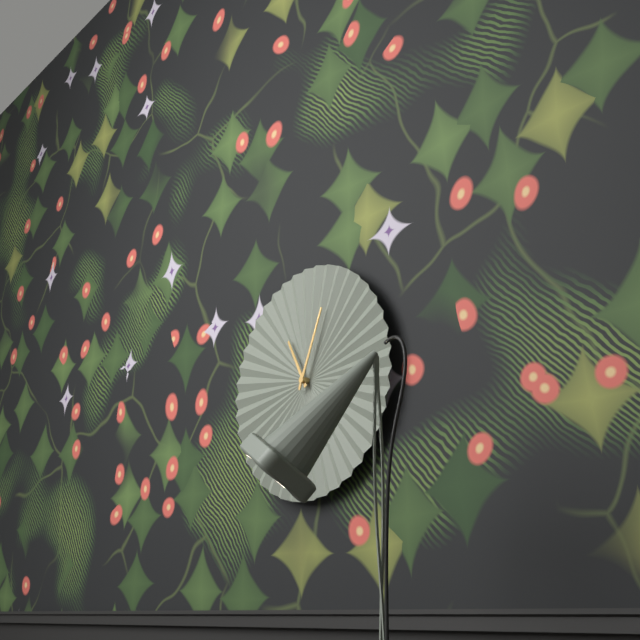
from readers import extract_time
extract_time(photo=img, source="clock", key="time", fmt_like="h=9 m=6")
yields h=11 m=4
